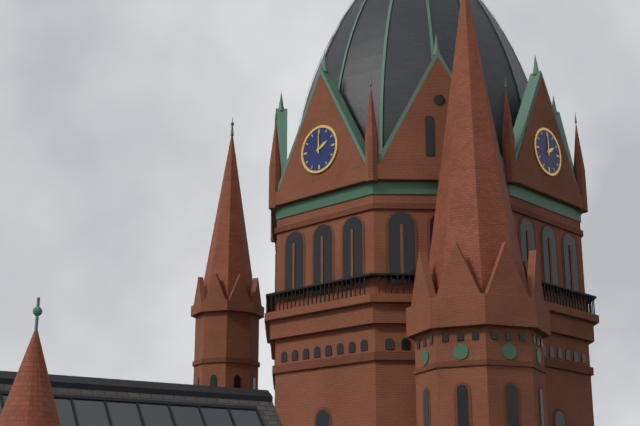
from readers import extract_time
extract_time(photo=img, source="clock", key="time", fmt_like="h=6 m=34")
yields h=2 m=0
